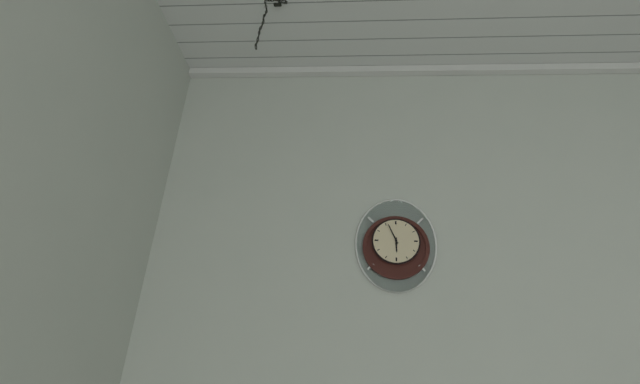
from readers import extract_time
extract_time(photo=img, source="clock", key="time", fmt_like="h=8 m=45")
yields h=5 m=56
